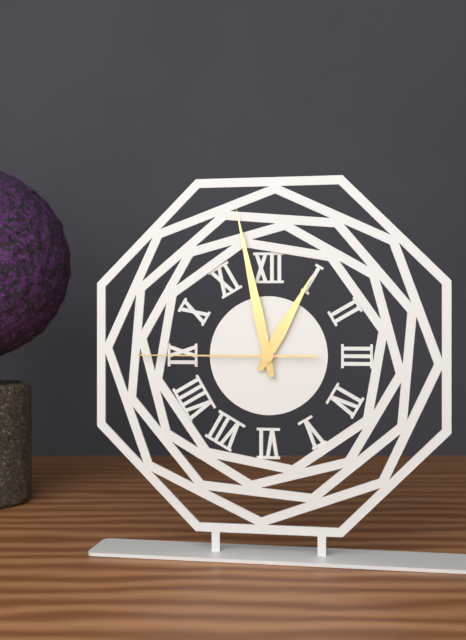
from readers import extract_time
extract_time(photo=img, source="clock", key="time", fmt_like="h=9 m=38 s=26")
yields h=12 m=58 s=45
